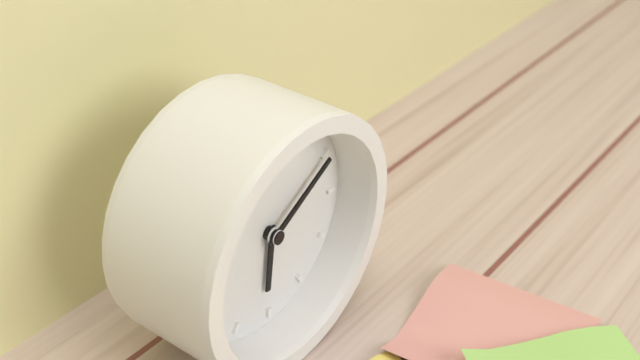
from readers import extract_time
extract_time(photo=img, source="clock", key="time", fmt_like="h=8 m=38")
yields h=6 m=10
